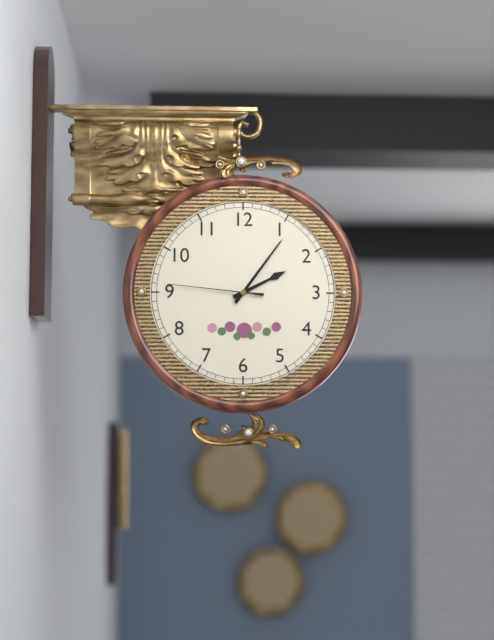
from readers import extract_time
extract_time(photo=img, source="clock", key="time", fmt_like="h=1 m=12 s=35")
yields h=2 m=6 s=46
